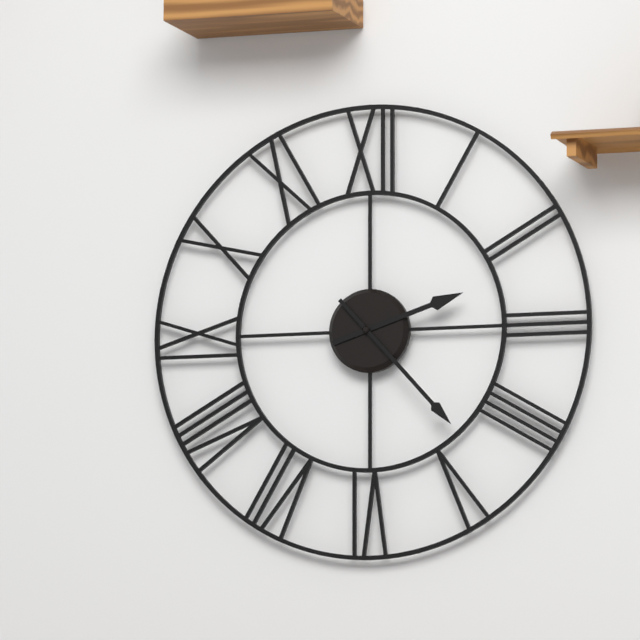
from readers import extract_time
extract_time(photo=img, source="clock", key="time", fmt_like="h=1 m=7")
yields h=2 m=23
